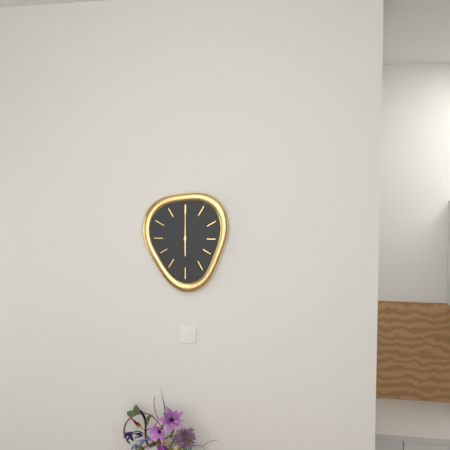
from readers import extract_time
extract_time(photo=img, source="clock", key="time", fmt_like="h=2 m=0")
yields h=6 m=0
